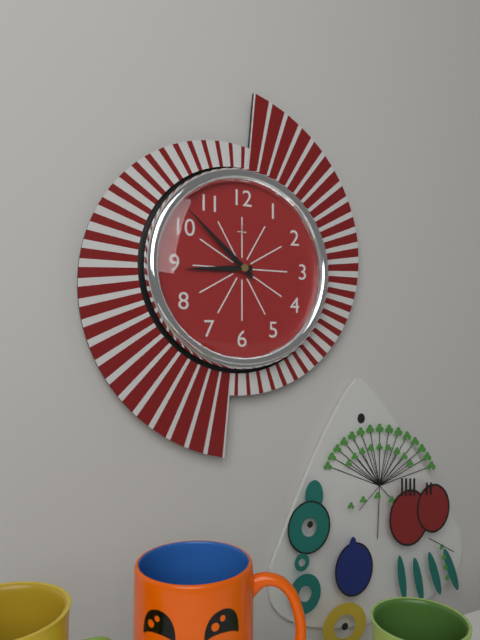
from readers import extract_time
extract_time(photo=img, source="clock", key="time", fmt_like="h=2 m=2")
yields h=8 m=52
